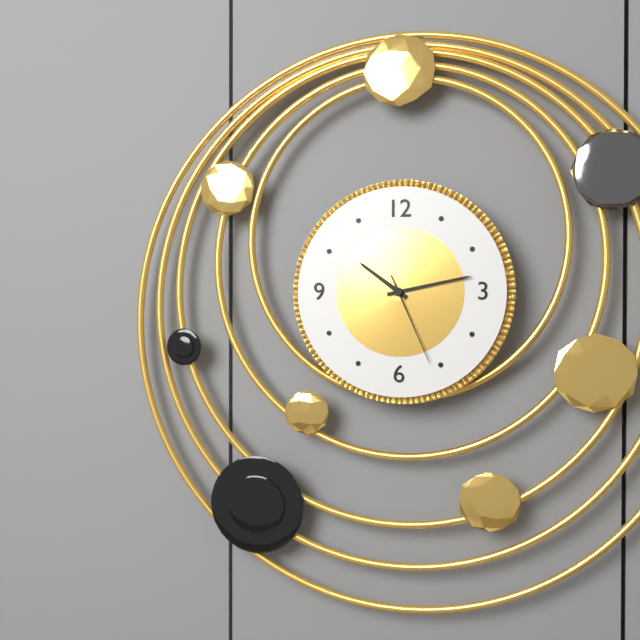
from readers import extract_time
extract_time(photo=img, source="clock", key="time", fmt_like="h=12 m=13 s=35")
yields h=10 m=13 s=26
